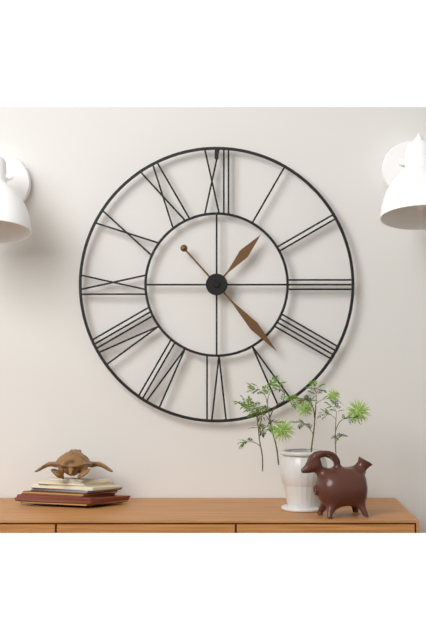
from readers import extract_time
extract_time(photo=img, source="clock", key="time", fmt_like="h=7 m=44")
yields h=1 m=23
